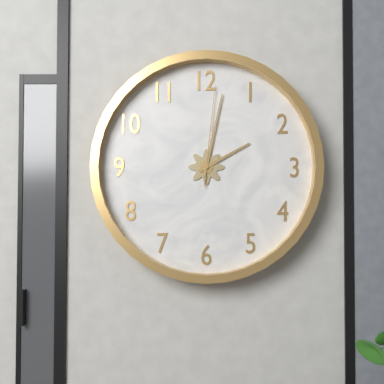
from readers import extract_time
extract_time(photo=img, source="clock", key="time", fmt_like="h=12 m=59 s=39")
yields h=2 m=2 s=1
